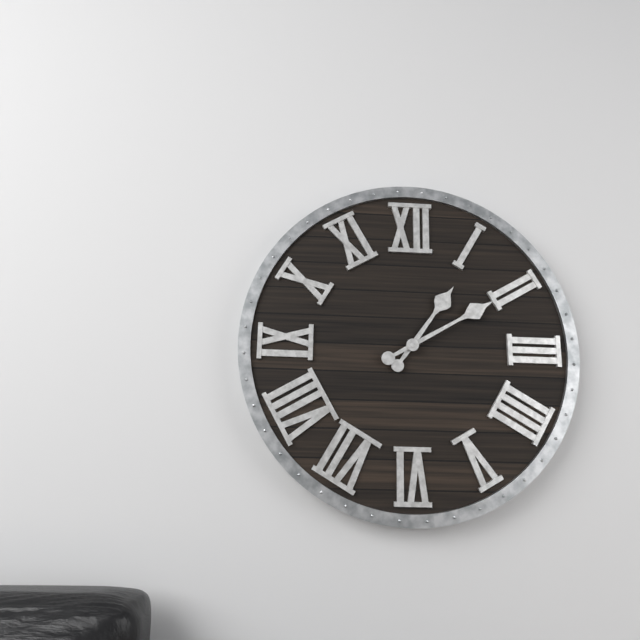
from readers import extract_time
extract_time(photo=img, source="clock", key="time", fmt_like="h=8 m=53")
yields h=1 m=10
